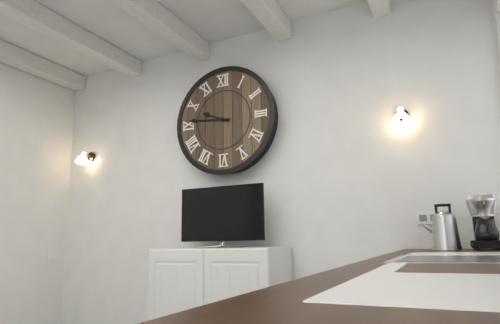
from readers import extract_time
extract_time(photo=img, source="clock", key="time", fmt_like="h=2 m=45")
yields h=9 m=46
